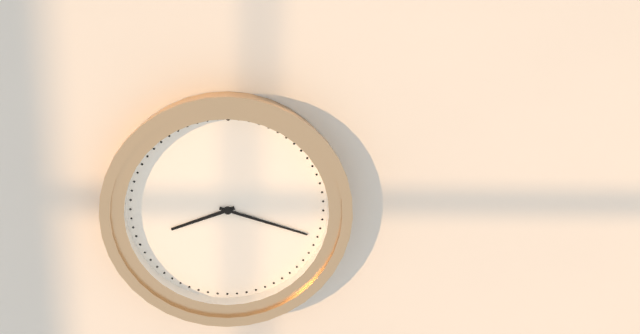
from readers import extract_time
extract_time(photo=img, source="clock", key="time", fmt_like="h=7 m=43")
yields h=8 m=18
